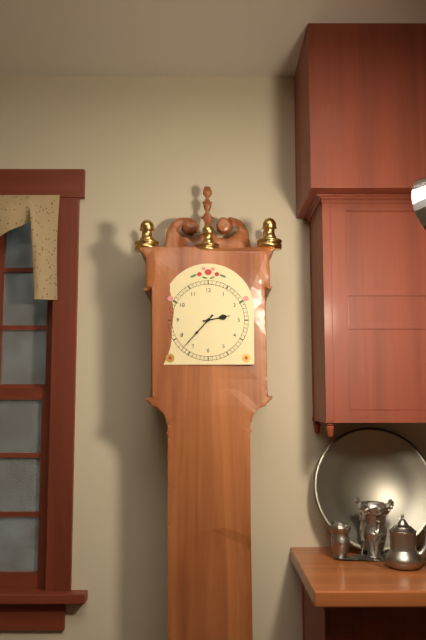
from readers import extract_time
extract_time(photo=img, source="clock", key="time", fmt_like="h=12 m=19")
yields h=2 m=37
